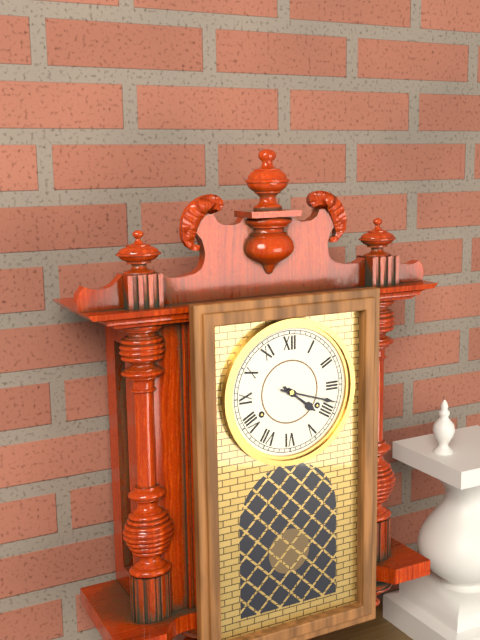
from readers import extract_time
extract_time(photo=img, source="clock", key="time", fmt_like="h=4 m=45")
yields h=4 m=18
